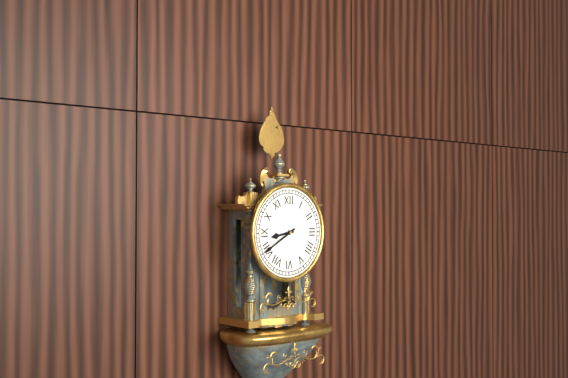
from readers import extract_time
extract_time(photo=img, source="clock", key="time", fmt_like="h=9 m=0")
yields h=8 m=40
